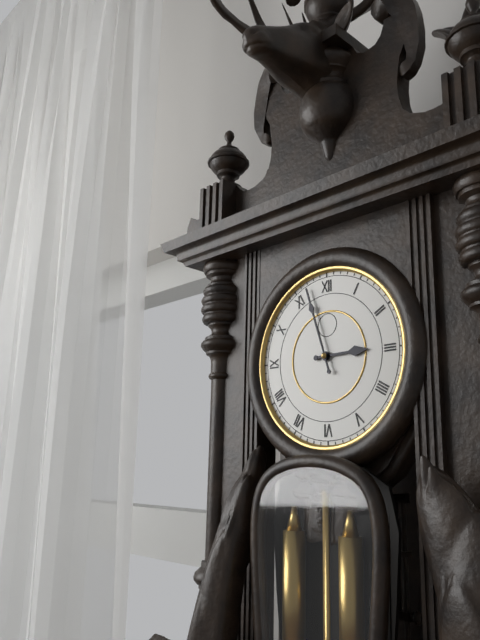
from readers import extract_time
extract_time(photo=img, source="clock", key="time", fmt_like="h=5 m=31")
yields h=2 m=57
